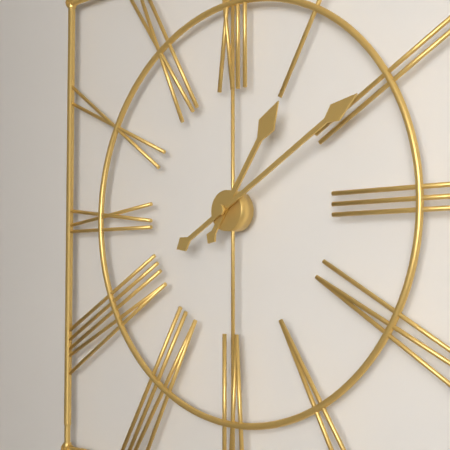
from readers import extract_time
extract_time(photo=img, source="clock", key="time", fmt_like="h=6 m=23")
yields h=1 m=10
